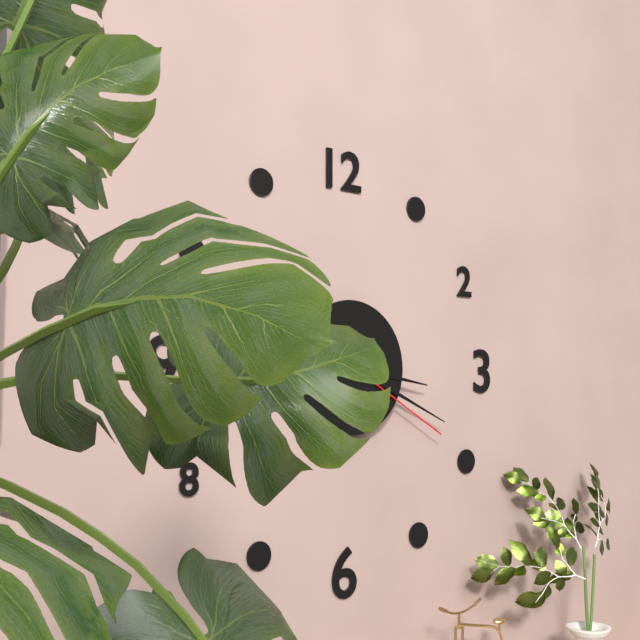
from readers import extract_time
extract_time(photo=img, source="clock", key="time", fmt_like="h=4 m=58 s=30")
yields h=3 m=19 s=20
